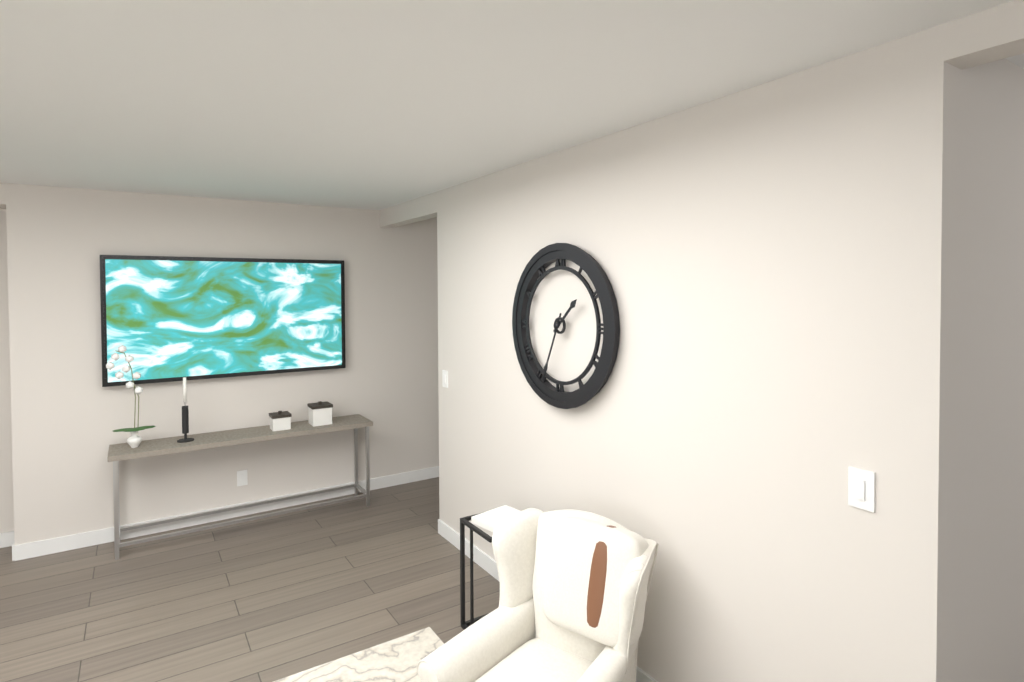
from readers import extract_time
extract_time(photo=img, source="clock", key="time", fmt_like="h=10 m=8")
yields h=1 m=34
